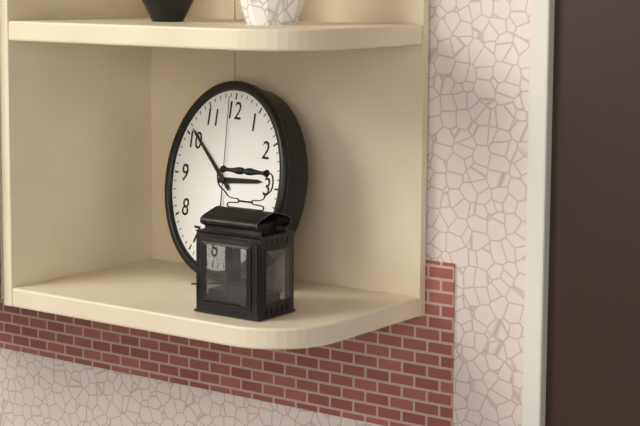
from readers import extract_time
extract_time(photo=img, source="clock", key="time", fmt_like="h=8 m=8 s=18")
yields h=2 m=51 s=59
